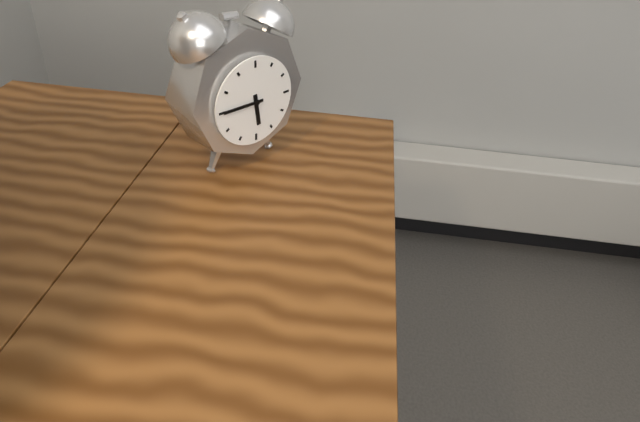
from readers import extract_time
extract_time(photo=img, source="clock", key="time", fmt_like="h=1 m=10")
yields h=5 m=45
